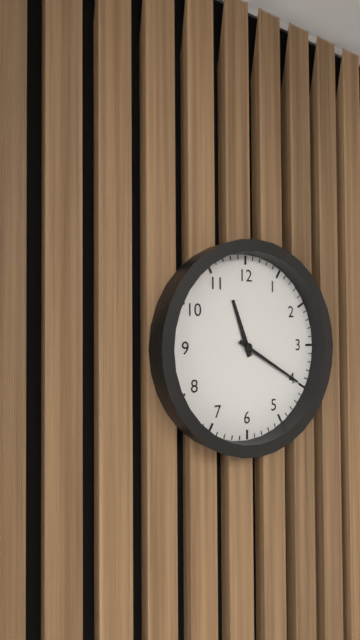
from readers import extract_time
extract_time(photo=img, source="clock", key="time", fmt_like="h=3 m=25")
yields h=11 m=20
